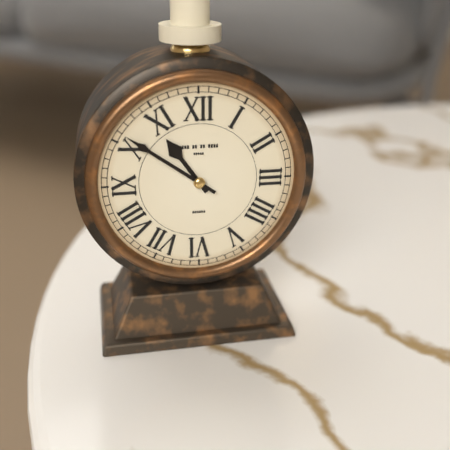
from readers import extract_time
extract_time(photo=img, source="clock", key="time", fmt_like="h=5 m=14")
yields h=10 m=51
